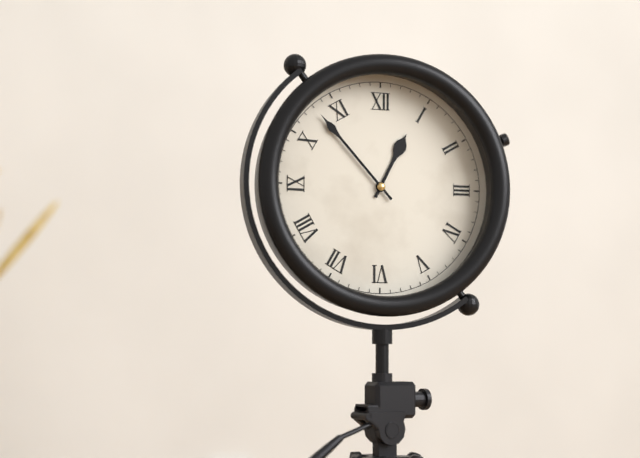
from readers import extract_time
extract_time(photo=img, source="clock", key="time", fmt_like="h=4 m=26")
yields h=12 m=53
